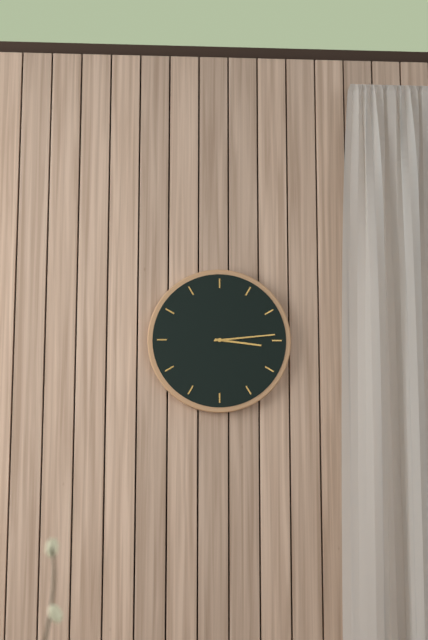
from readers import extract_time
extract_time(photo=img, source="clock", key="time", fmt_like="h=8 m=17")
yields h=3 m=14
